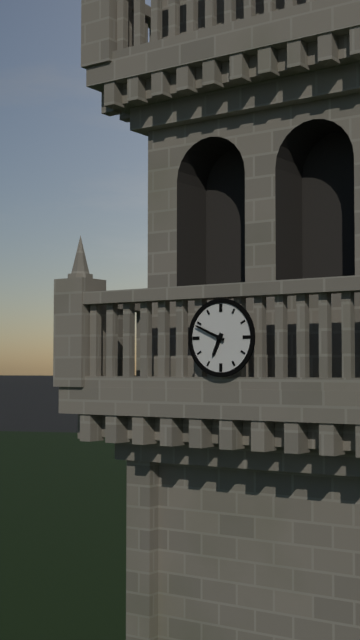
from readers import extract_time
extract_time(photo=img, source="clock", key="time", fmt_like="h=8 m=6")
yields h=6 m=49
